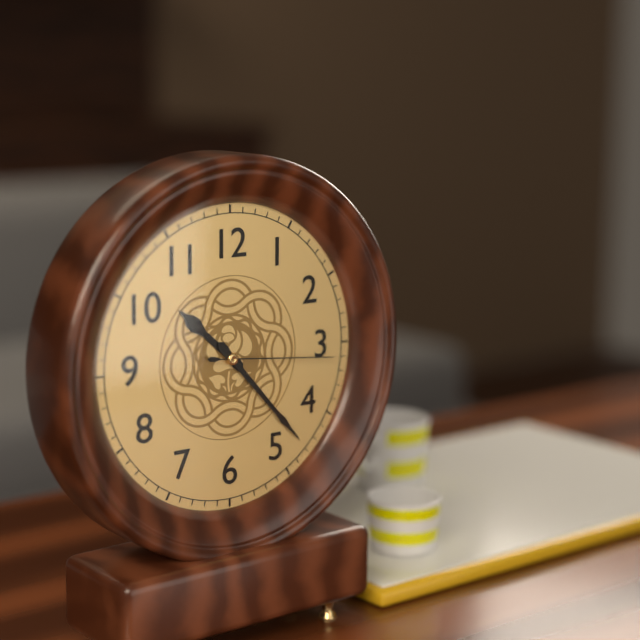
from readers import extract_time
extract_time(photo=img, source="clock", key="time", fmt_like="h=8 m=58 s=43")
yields h=10 m=23 s=16
